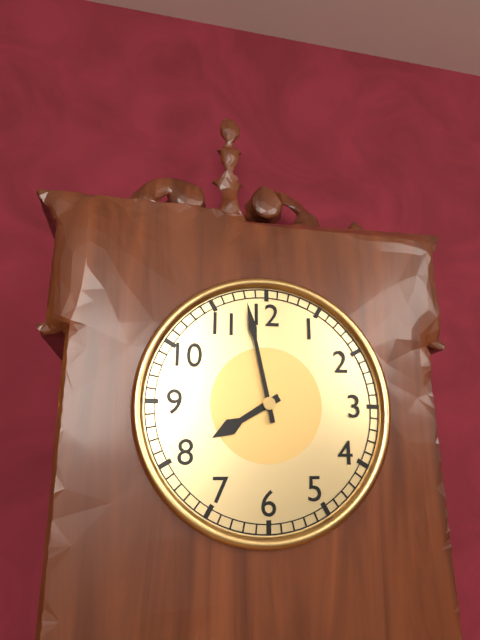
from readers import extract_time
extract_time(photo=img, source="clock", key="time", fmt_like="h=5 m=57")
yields h=7 m=58
